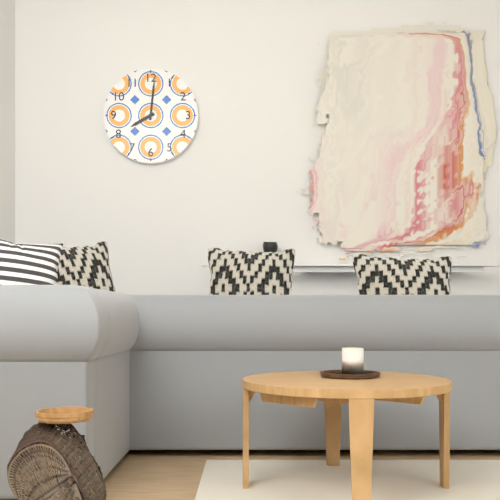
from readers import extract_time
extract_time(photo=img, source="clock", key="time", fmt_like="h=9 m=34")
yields h=8 m=1
